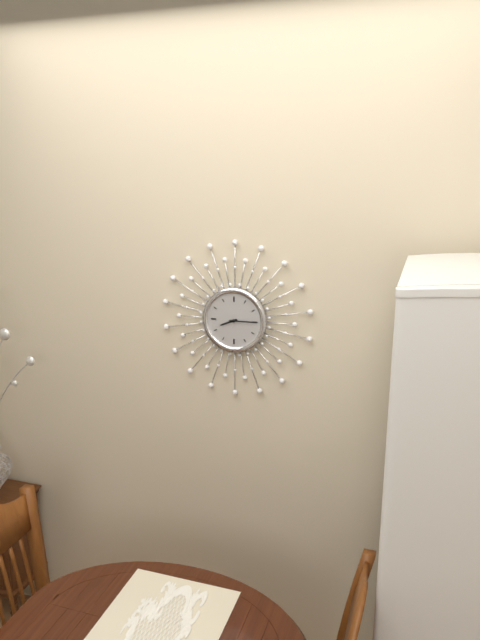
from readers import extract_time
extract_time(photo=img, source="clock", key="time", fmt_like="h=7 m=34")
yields h=8 m=15
